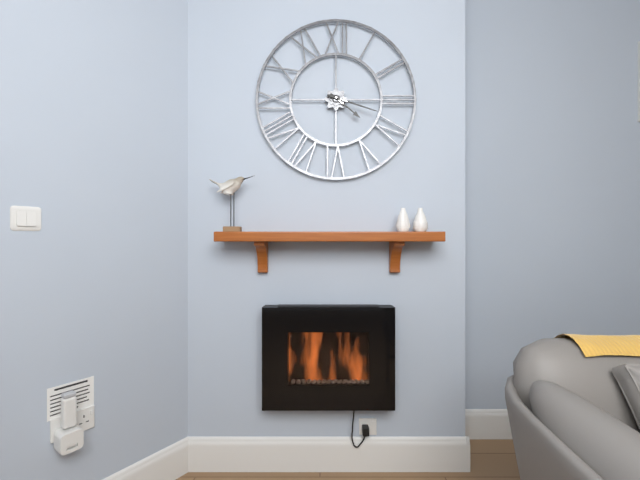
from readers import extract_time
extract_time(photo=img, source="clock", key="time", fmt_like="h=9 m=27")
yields h=4 m=18
